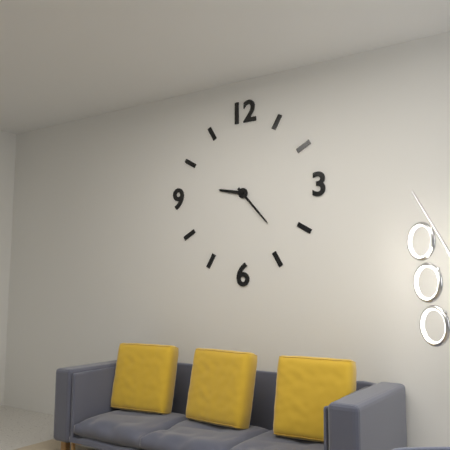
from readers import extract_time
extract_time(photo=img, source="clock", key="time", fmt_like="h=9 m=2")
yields h=9 m=23
